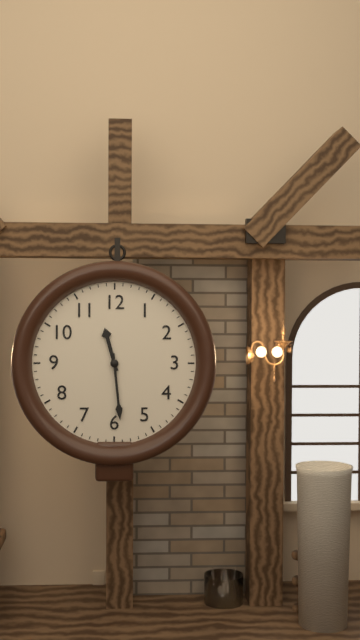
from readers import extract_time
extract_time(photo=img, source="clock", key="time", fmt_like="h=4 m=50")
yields h=11 m=29
